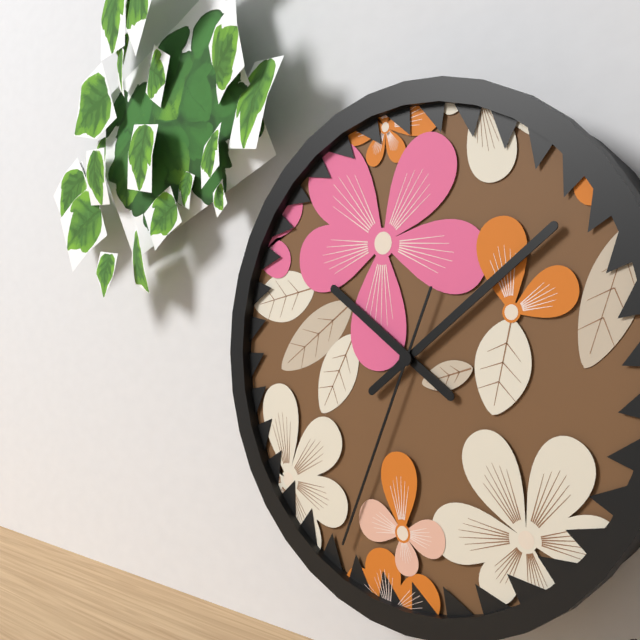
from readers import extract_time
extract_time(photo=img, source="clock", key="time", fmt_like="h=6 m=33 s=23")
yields h=10 m=9 s=34
